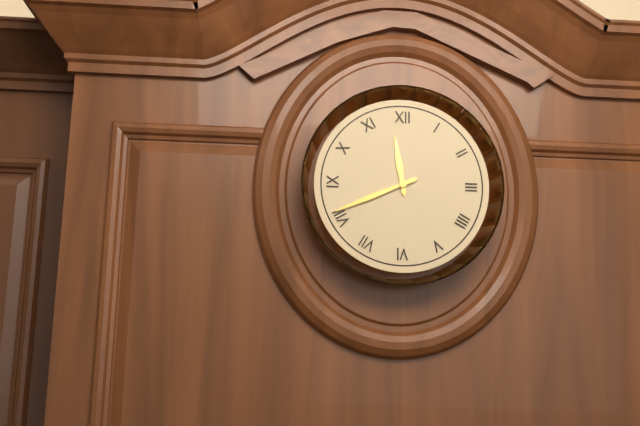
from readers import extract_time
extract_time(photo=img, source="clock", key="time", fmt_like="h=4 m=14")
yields h=11 m=41
